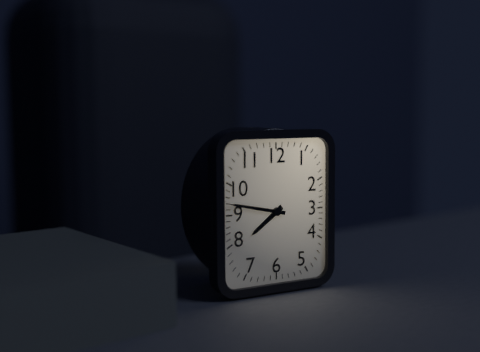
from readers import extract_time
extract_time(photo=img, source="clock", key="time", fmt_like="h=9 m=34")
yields h=7 m=47
